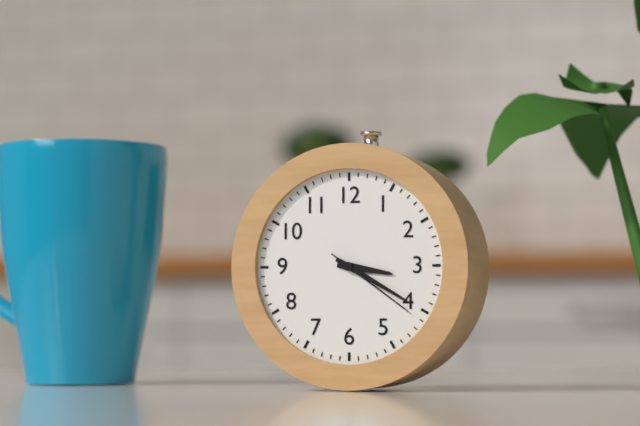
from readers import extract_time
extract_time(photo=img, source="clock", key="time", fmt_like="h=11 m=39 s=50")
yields h=3 m=20 s=21
